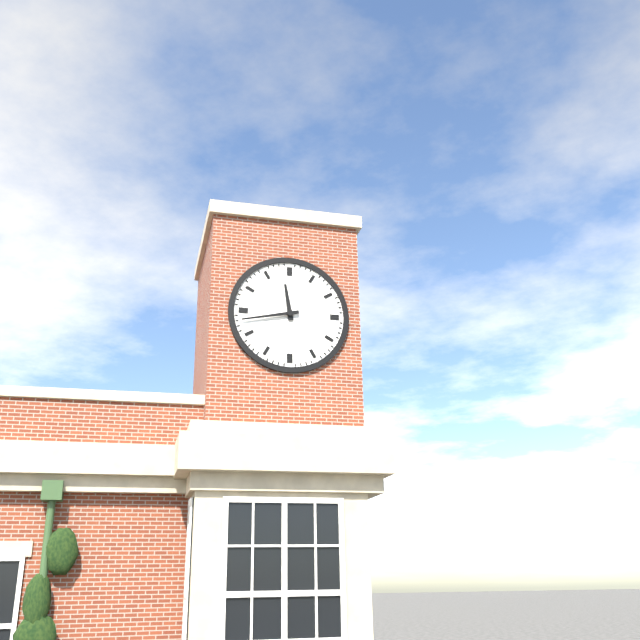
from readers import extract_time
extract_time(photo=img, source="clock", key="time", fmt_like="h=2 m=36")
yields h=11 m=43
